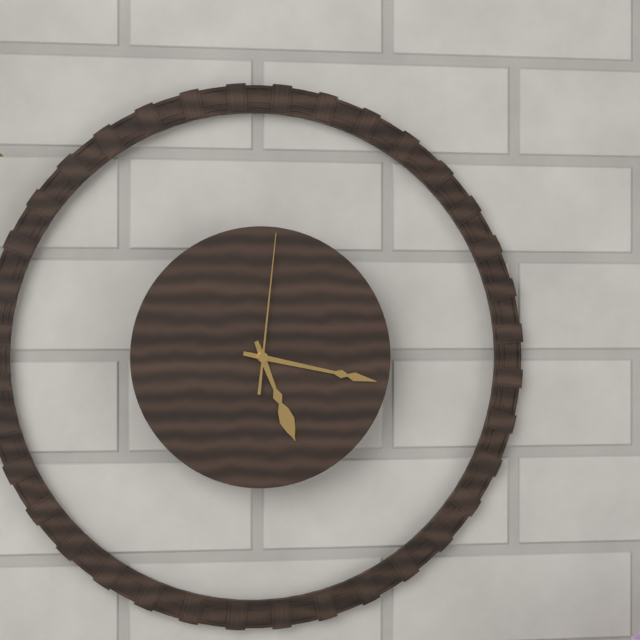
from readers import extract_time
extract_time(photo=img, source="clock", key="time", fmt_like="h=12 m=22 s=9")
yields h=5 m=17 s=1
